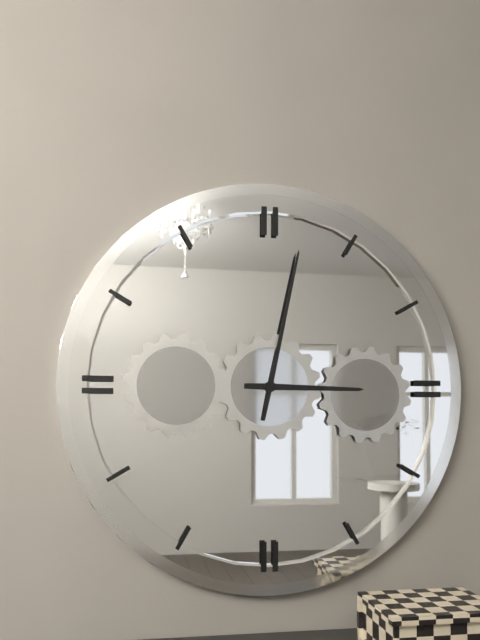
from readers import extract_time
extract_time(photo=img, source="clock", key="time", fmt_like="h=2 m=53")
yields h=3 m=2
